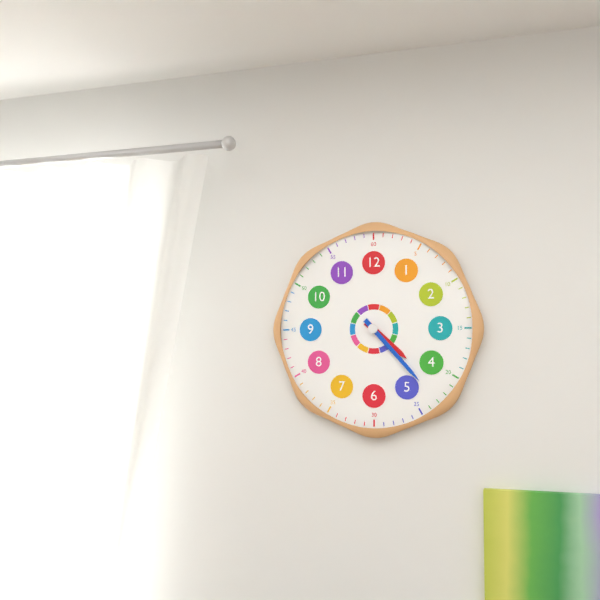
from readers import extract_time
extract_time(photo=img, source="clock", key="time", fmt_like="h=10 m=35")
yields h=4 m=23
